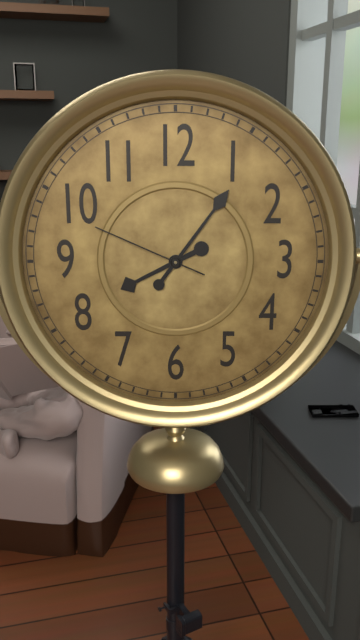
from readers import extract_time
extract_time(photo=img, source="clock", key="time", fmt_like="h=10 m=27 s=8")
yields h=8 m=6 s=49
